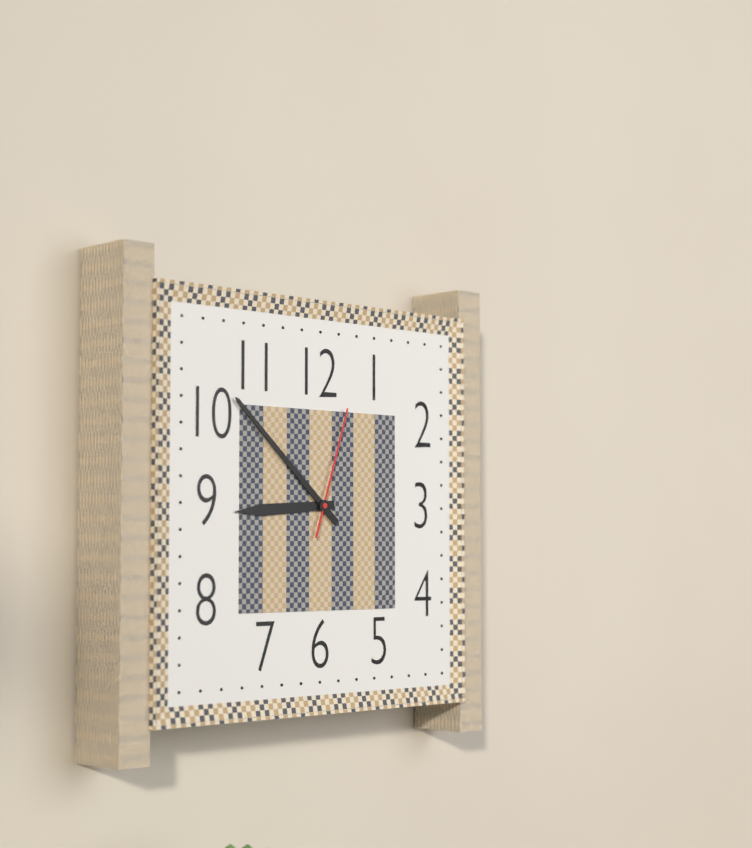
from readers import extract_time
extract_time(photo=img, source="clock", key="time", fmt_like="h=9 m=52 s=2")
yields h=8 m=52 s=3
